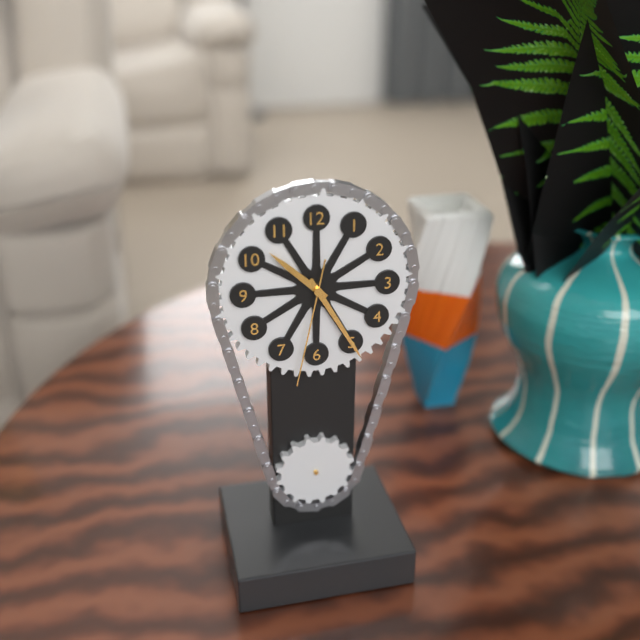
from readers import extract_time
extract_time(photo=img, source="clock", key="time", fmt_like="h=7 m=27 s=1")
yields h=10 m=25 s=32
